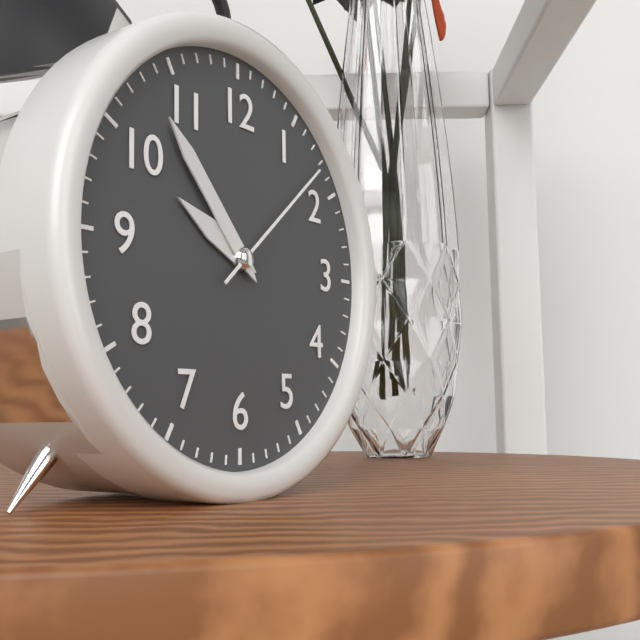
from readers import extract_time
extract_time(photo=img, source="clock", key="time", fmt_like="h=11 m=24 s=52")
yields h=9 m=53 s=8
